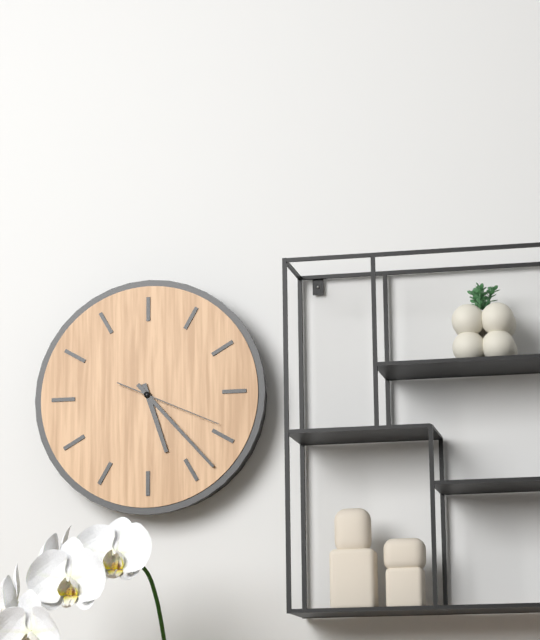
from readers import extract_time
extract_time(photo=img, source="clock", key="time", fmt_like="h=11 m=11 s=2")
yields h=5 m=23 s=19
